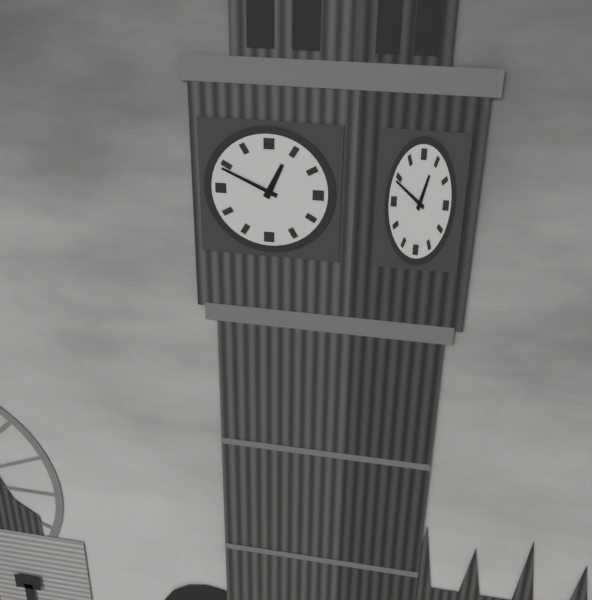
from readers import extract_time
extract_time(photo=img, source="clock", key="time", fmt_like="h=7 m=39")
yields h=12 m=49
